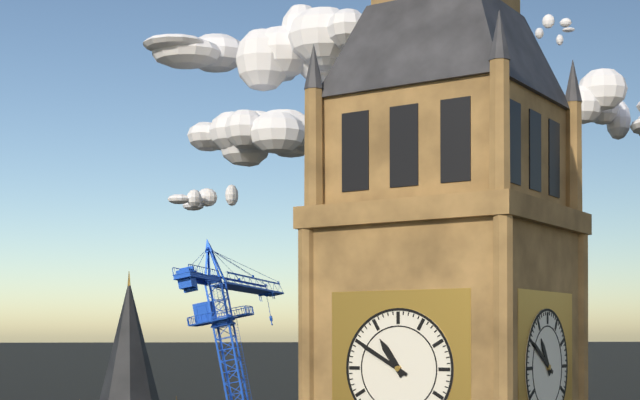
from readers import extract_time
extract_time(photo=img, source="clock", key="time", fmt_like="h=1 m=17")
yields h=10 m=50
